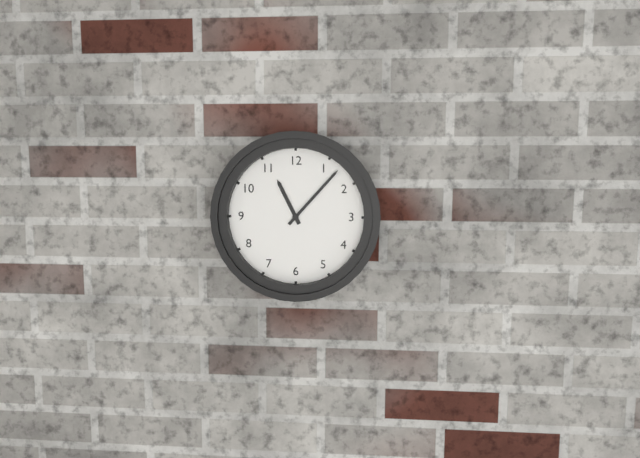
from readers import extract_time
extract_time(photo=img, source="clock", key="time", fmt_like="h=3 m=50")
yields h=11 m=7
